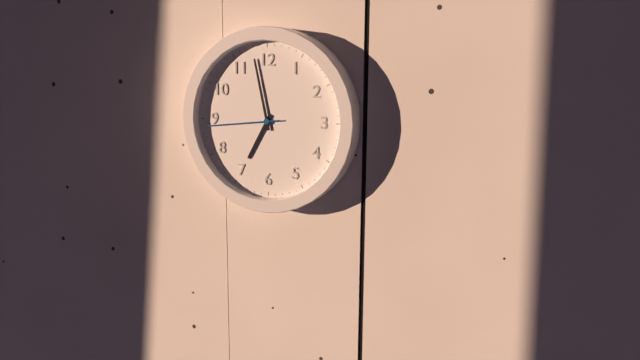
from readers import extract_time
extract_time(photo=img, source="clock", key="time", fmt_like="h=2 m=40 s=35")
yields h=6 m=58 s=44
